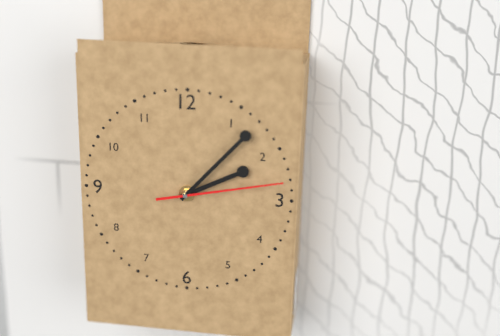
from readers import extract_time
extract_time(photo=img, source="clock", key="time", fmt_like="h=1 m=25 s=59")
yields h=2 m=7 s=13
